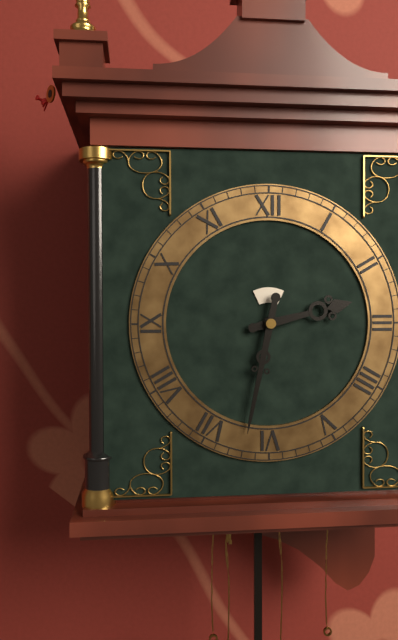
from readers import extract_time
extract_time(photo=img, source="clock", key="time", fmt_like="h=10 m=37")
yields h=2 m=32
